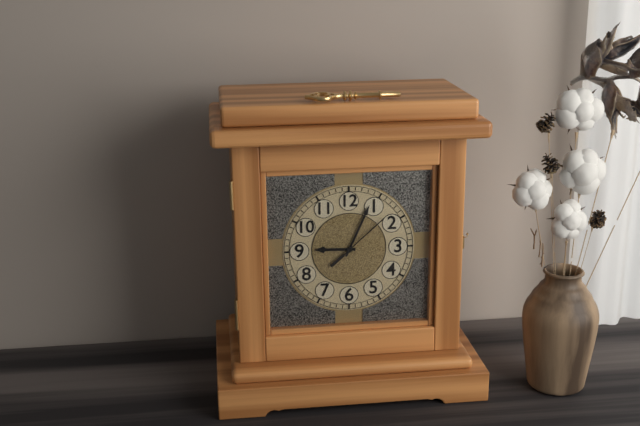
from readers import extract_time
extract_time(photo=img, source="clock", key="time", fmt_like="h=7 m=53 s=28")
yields h=9 m=4 s=8
